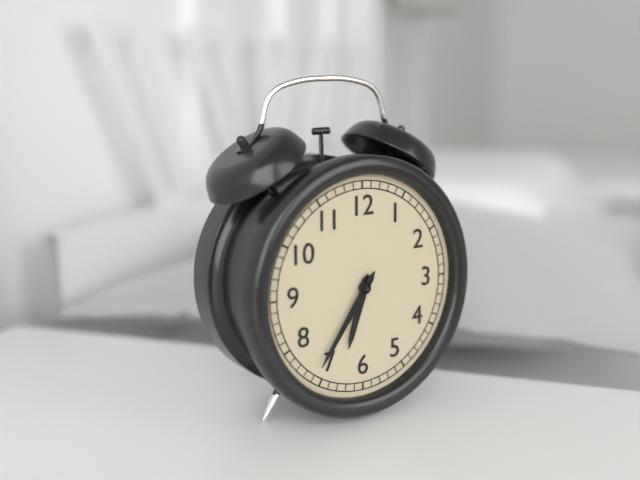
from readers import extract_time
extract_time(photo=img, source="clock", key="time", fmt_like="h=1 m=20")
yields h=6 m=36
